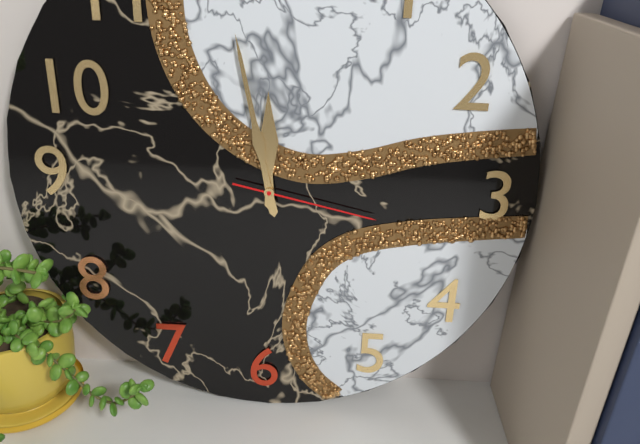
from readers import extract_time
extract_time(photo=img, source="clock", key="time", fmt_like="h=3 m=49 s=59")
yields h=11 m=58 s=17
